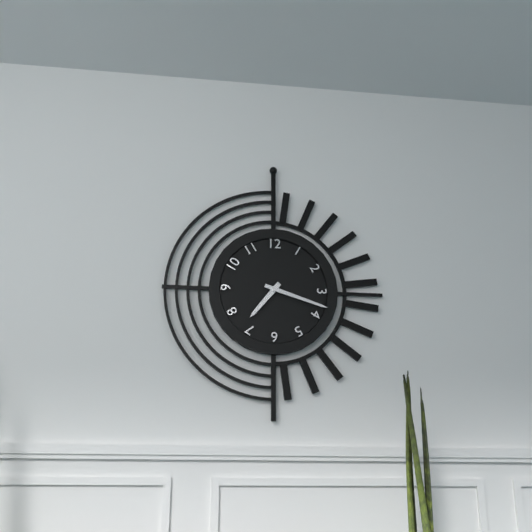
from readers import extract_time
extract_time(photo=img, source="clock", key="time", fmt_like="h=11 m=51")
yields h=7 m=18
